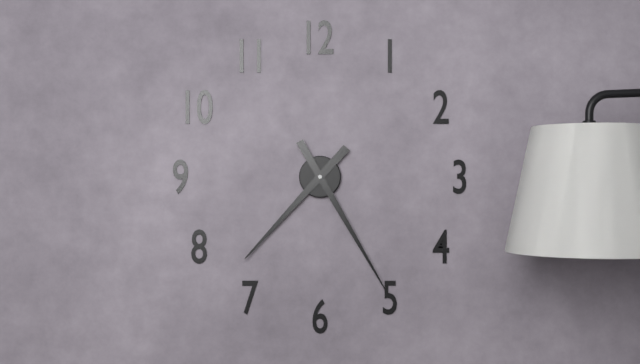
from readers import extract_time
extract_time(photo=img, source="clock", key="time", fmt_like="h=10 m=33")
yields h=7 m=25
